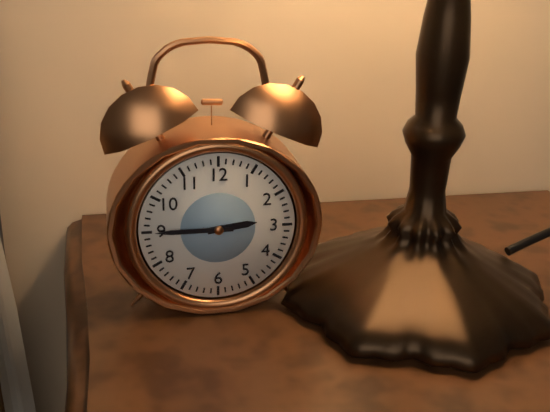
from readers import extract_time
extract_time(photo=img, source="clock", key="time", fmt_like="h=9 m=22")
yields h=2 m=45
